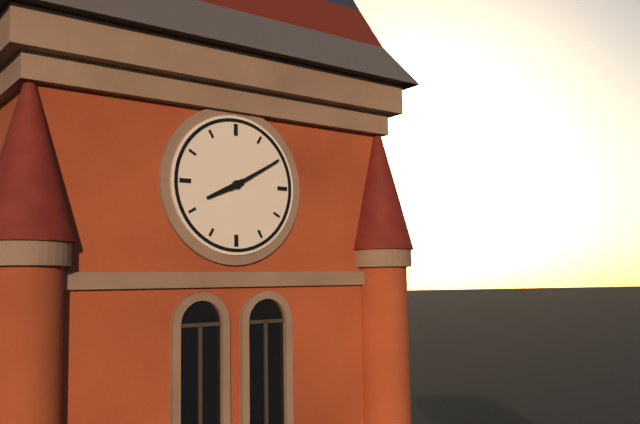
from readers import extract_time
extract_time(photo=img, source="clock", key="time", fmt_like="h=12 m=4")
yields h=8 m=10
